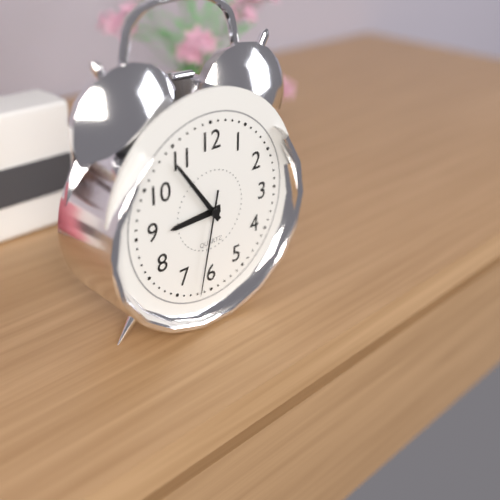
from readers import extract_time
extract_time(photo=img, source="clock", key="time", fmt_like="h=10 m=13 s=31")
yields h=8 m=54 s=32
